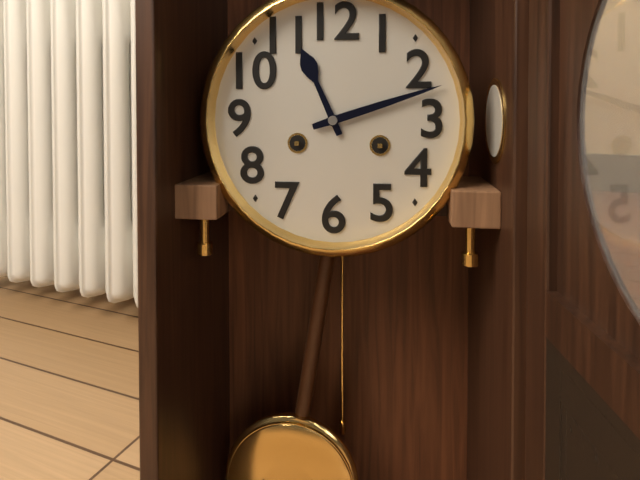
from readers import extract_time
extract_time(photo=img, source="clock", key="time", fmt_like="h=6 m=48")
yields h=11 m=12
